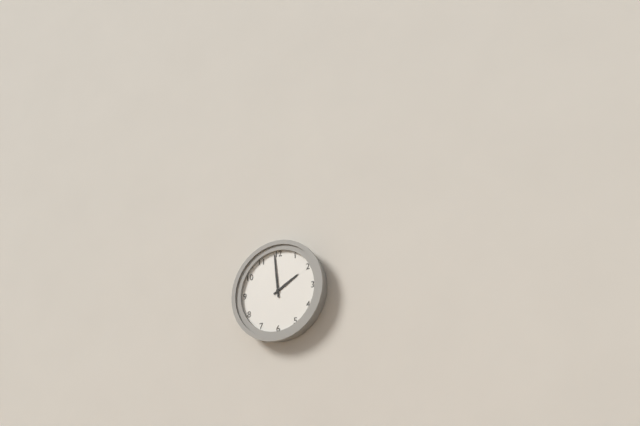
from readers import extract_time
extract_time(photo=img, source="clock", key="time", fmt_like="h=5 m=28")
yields h=1 m=59
